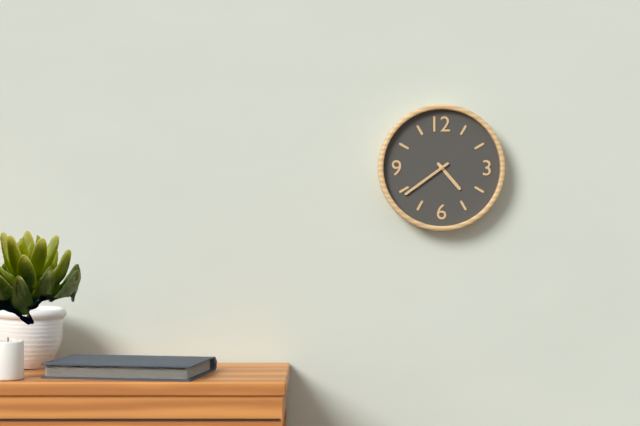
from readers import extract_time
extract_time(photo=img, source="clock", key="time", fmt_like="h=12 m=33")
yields h=4 m=39
